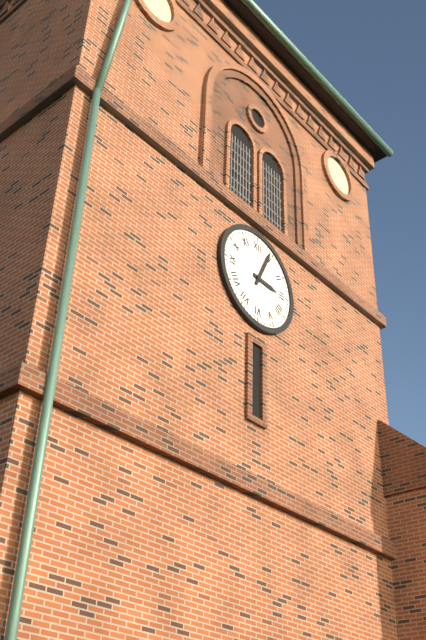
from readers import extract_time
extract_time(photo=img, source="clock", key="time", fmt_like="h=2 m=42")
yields h=3 m=4
